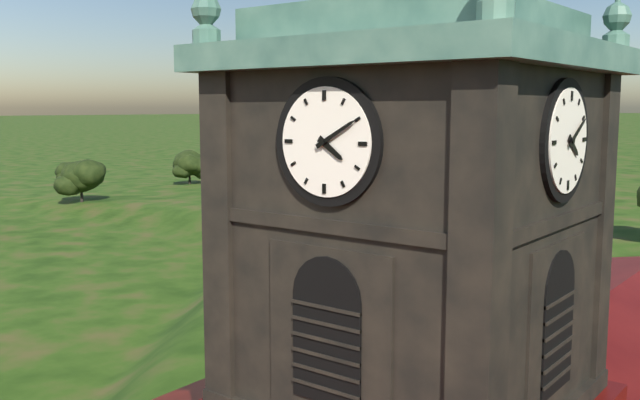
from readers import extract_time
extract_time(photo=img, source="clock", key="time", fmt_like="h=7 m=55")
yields h=4 m=10
